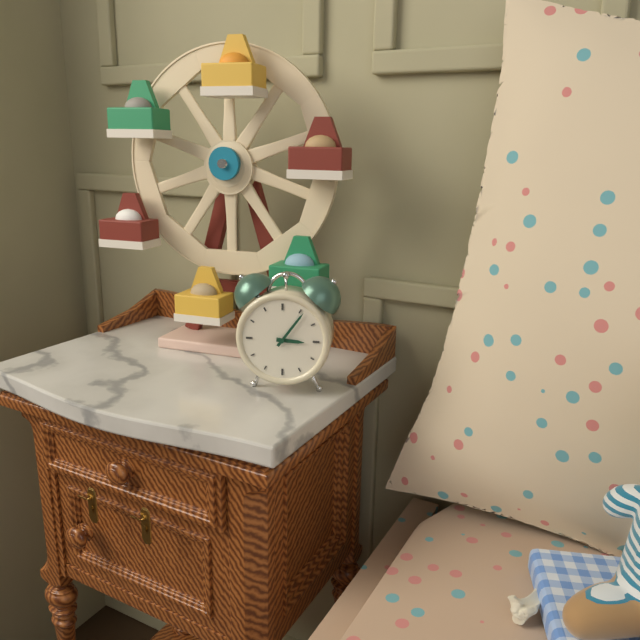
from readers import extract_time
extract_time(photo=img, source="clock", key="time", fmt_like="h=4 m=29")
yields h=3 m=6
